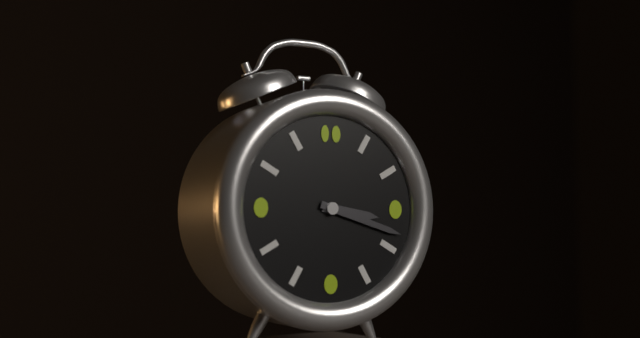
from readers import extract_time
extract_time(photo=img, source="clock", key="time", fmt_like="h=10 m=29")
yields h=3 m=18
